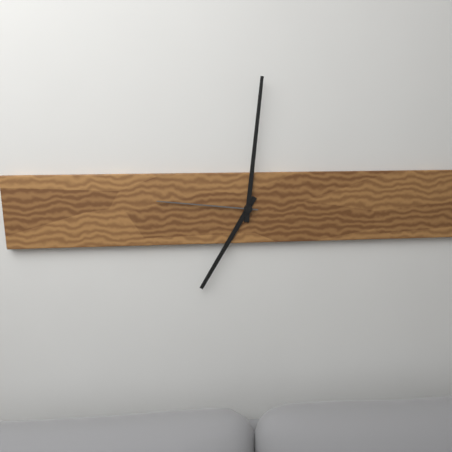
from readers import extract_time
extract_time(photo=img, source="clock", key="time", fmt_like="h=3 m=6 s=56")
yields h=7 m=1 s=46
